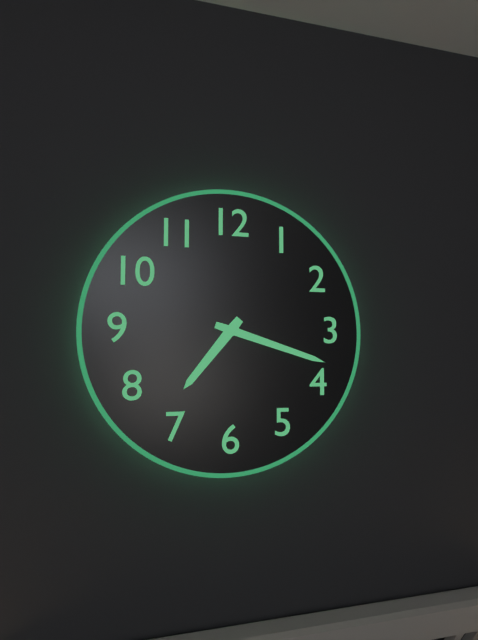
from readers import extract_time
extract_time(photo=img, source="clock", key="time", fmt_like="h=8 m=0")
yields h=7 m=18
